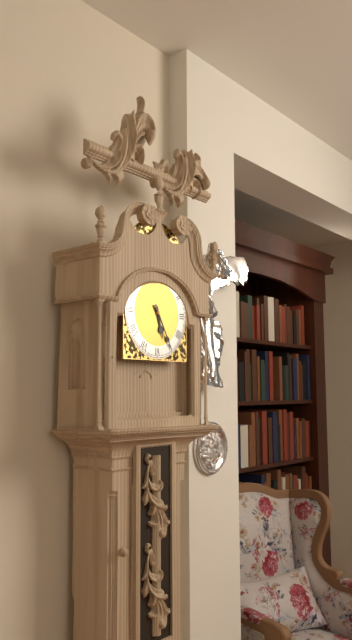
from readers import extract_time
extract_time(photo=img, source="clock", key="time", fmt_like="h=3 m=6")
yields h=5 m=25
